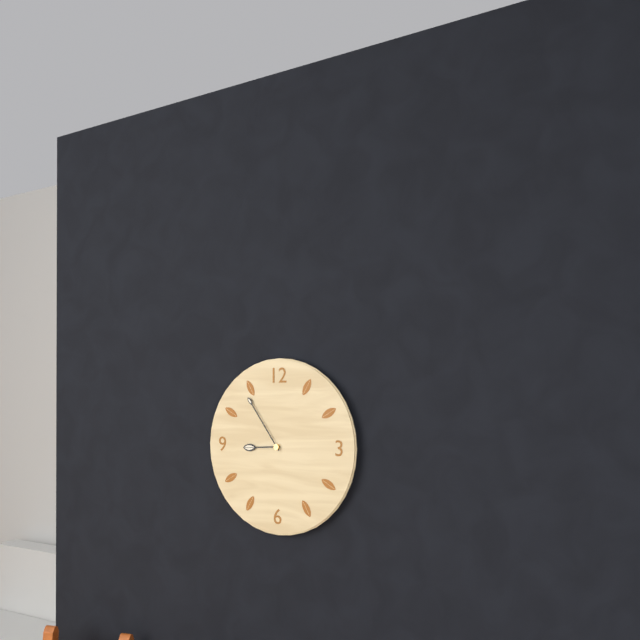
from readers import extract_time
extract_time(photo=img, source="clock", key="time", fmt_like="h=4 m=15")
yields h=8 m=54
